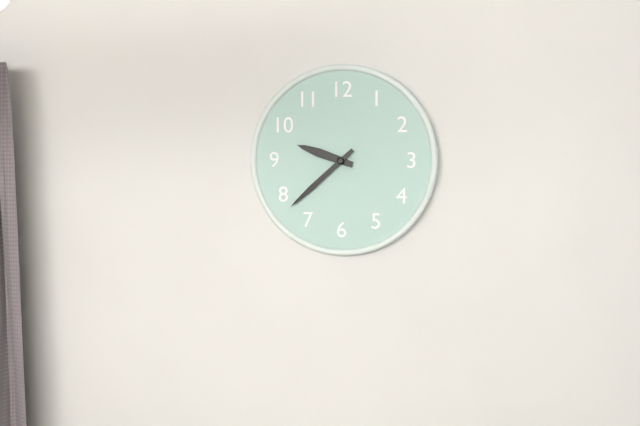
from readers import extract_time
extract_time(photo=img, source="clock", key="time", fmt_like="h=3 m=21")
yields h=9 m=38
